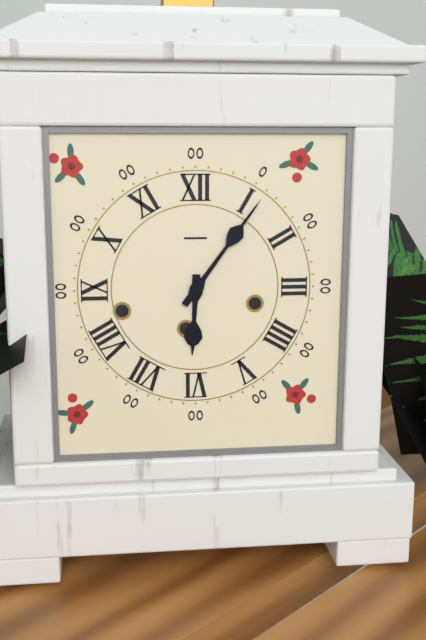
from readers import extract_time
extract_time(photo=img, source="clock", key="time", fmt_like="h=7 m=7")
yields h=6 m=6
